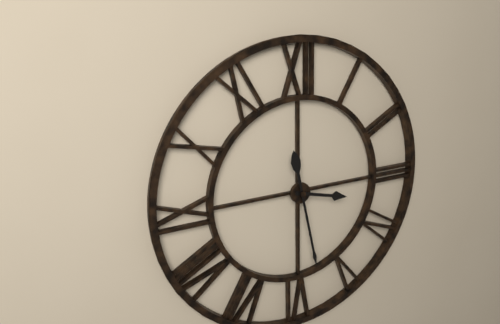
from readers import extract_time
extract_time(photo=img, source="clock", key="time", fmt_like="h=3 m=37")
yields h=3 m=28
